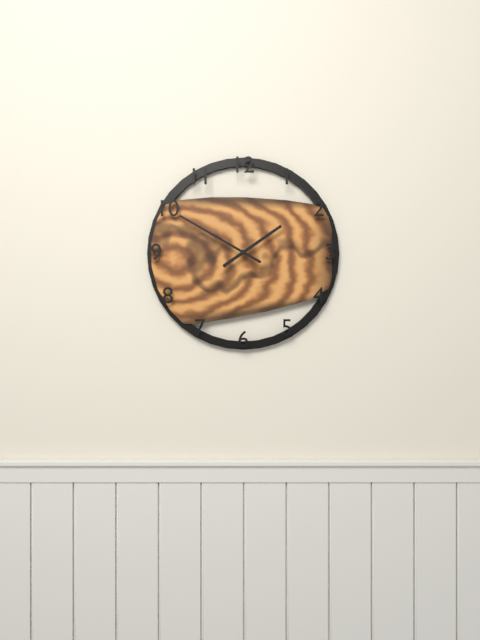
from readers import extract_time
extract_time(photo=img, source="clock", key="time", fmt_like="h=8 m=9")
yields h=1 m=50
